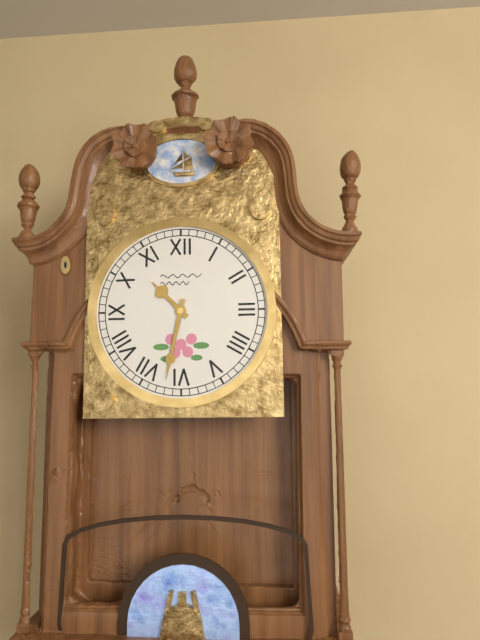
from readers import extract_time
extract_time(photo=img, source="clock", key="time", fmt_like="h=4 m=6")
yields h=10 m=32
